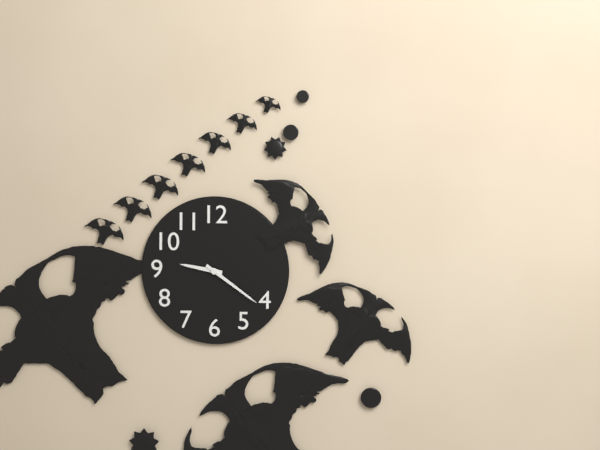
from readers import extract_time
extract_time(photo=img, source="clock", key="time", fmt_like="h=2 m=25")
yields h=9 m=21
